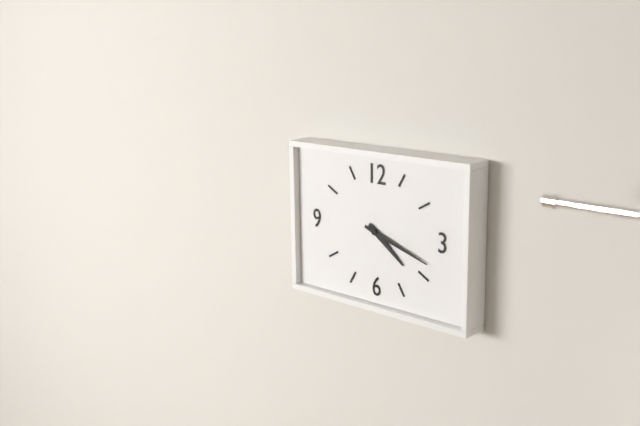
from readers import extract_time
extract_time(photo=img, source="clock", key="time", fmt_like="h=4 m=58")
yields h=4 m=18
